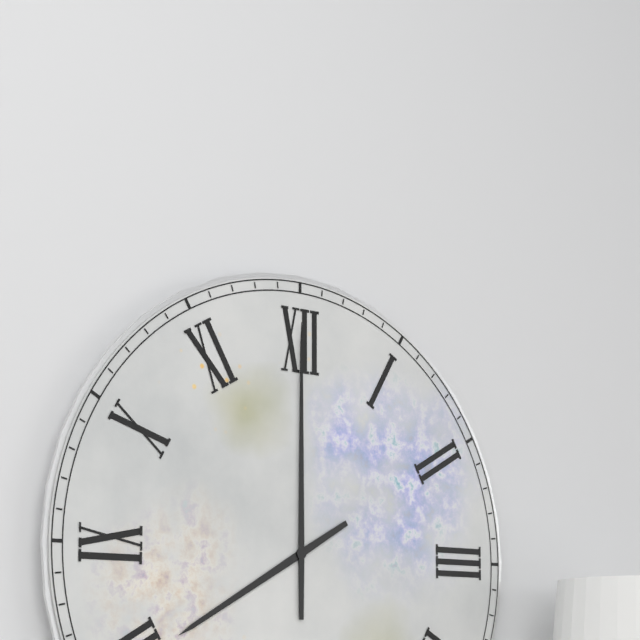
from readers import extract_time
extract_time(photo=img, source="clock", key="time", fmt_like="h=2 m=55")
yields h=8 m=0
